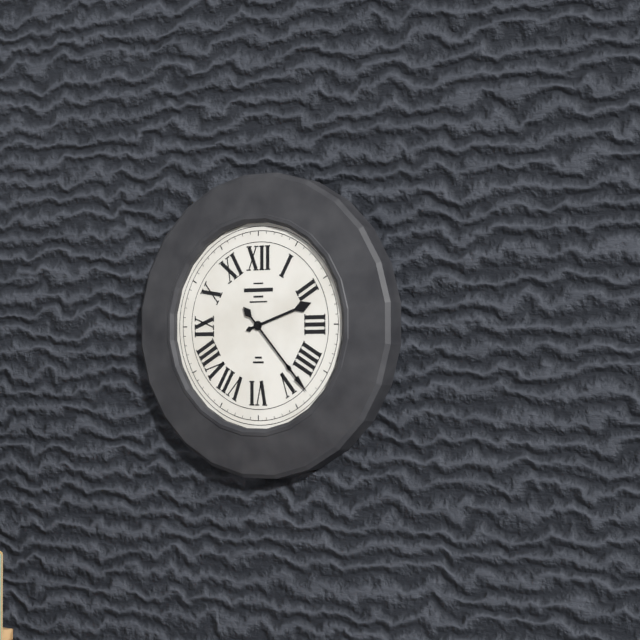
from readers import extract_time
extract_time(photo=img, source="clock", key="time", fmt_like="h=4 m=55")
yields h=2 m=23
